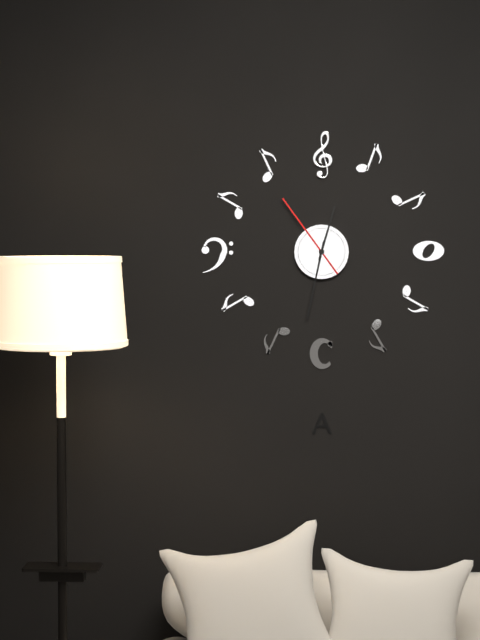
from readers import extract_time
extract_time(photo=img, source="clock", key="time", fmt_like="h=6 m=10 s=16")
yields h=12 m=32 s=54
